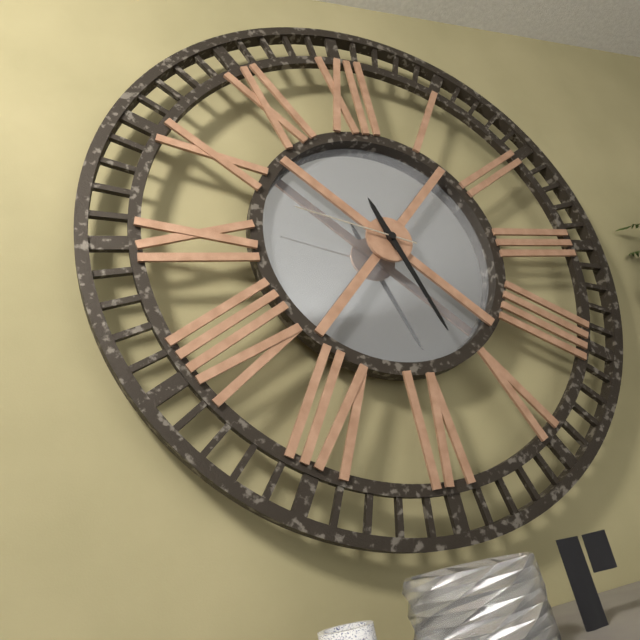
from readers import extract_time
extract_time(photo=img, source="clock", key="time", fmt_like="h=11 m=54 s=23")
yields h=11 m=27 s=48
